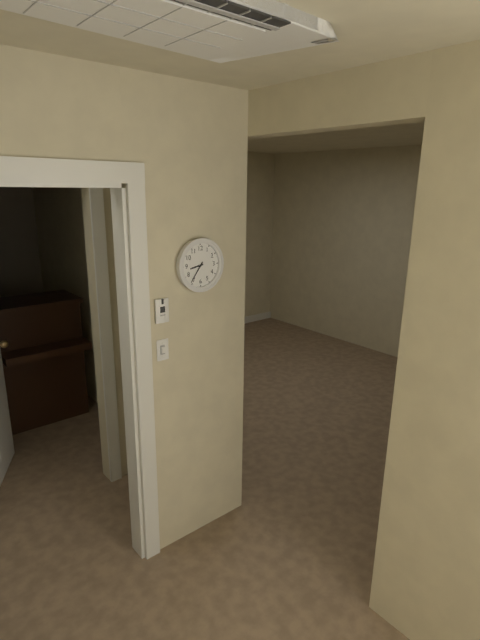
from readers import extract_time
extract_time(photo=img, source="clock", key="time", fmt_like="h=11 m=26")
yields h=8 m=36
